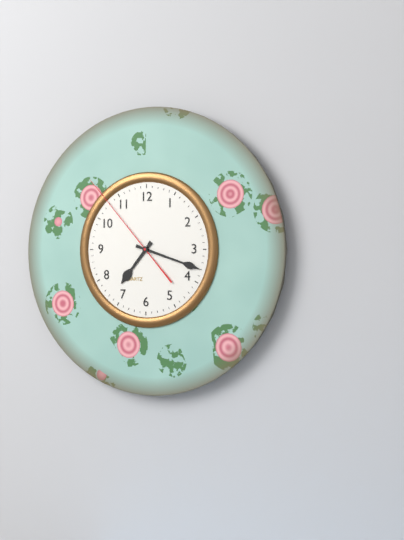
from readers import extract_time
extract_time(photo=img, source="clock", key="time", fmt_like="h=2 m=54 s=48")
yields h=7 m=18 s=53
